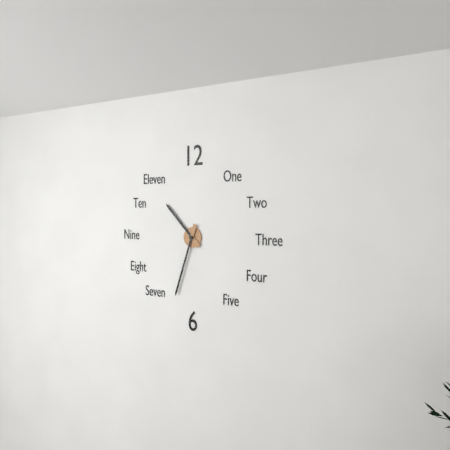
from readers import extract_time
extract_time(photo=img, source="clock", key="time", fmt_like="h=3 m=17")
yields h=10 m=33
